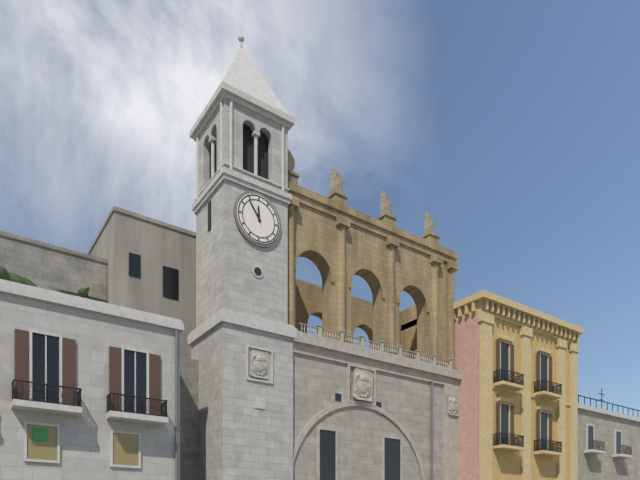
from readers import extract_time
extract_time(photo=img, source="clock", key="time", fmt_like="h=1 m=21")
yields h=11 m=54
